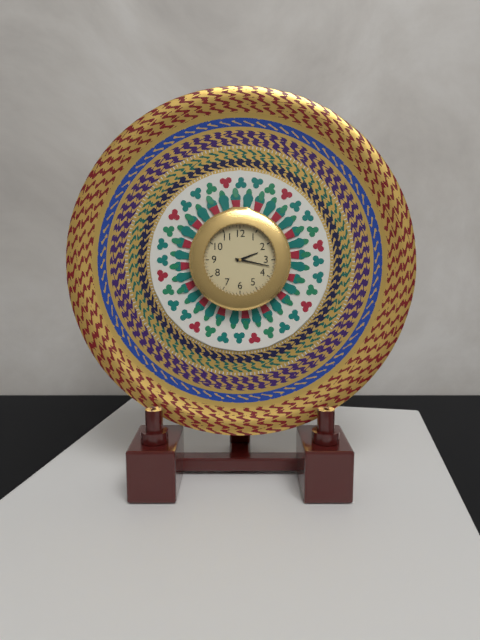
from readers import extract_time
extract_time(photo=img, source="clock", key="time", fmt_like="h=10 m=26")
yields h=2 m=17
